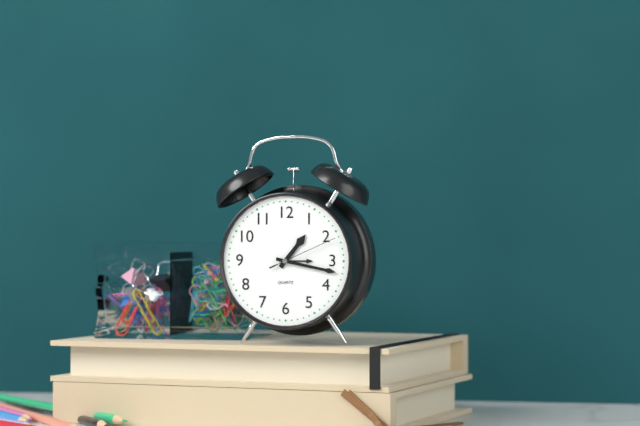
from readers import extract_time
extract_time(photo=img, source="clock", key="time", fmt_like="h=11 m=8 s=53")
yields h=1 m=17 s=11
